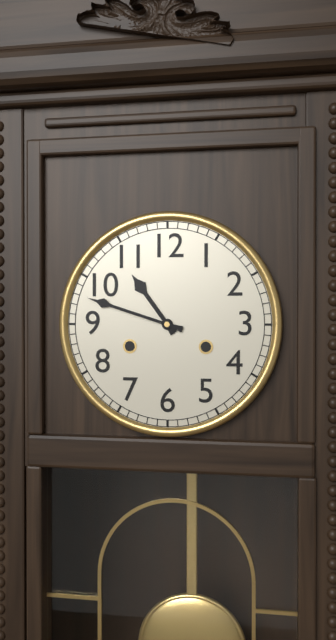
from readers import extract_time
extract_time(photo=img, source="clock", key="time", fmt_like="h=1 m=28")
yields h=10 m=48
